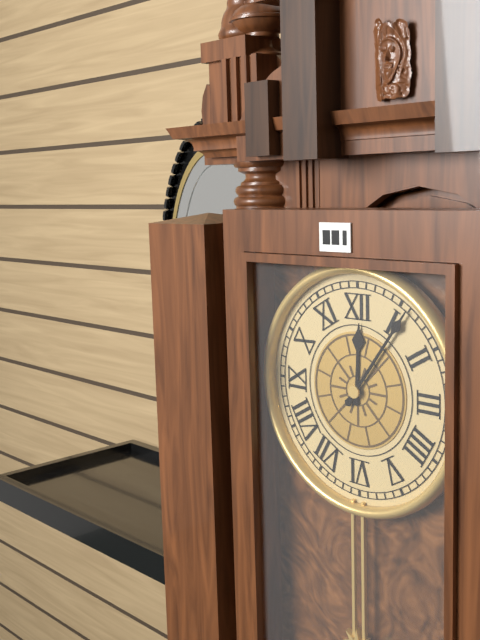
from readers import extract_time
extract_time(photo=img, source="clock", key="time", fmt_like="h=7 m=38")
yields h=12 m=6
